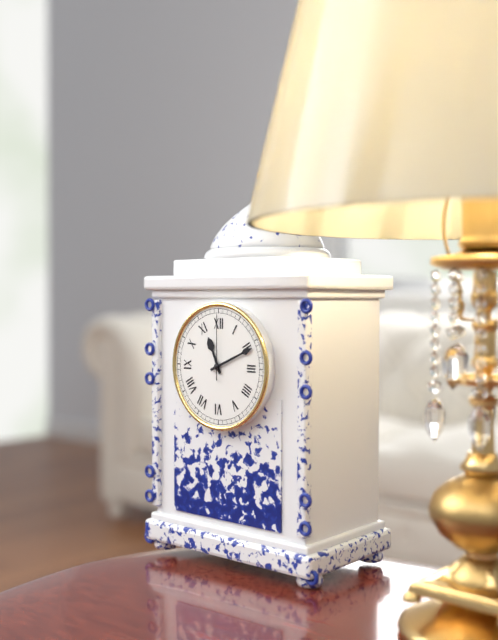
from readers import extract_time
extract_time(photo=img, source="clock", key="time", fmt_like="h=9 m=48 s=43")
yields h=11 m=11 s=0
